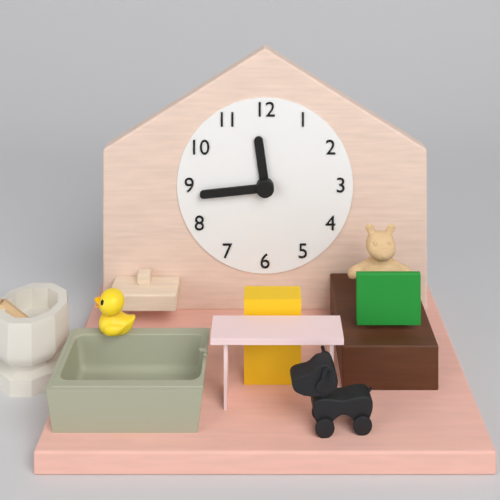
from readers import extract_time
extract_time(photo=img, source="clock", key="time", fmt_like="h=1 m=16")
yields h=11 m=44
